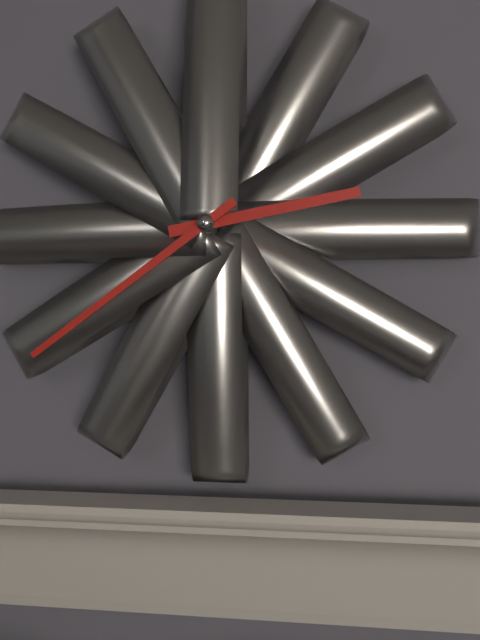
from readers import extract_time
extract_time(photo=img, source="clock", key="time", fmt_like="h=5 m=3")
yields h=2 m=39
